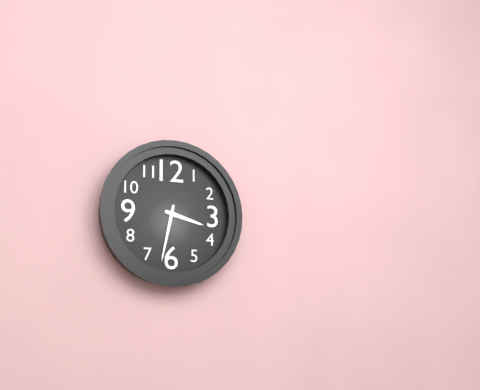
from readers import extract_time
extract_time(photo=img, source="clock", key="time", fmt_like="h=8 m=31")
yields h=3 m=32
